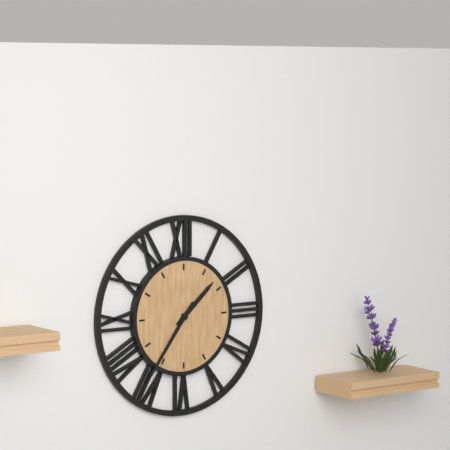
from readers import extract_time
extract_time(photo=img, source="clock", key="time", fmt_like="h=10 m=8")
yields h=1 m=36
